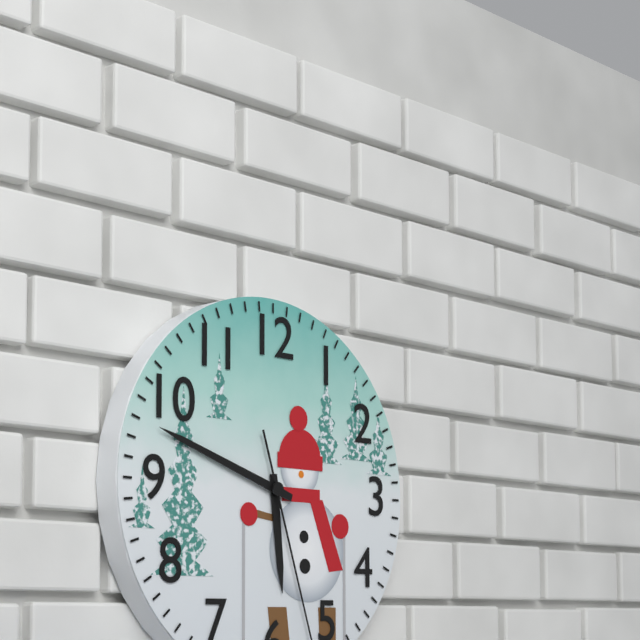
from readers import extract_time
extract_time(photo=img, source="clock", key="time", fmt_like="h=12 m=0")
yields h=5 m=48
